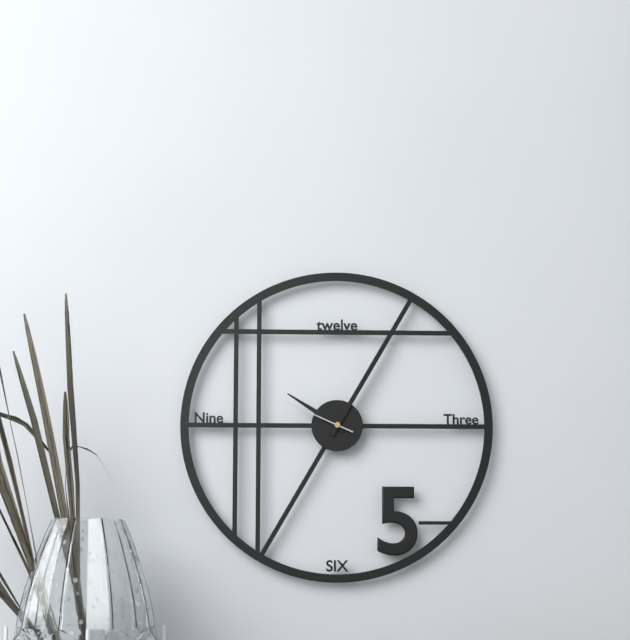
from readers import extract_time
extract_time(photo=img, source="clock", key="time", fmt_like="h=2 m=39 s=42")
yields h=10 m=5 s=49
